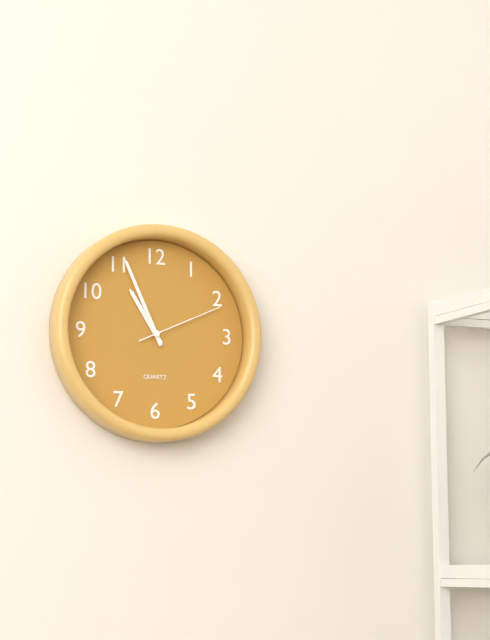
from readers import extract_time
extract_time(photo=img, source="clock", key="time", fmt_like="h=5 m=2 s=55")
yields h=10 m=56 s=11
